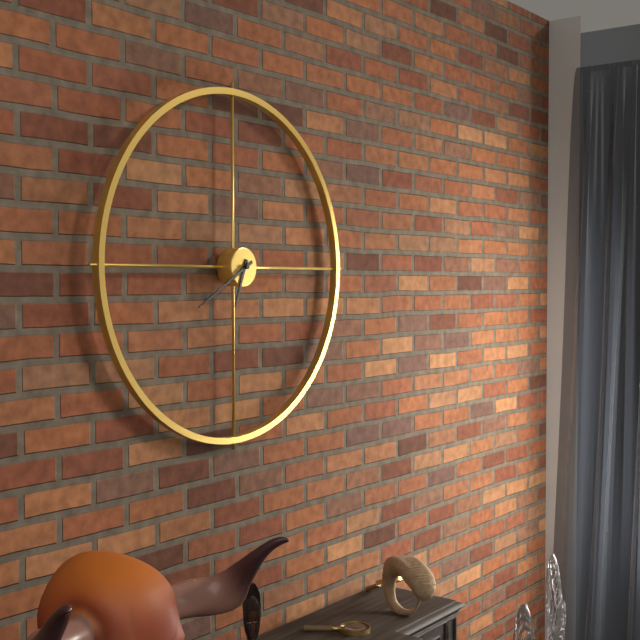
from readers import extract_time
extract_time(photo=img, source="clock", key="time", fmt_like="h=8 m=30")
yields h=6 m=40
